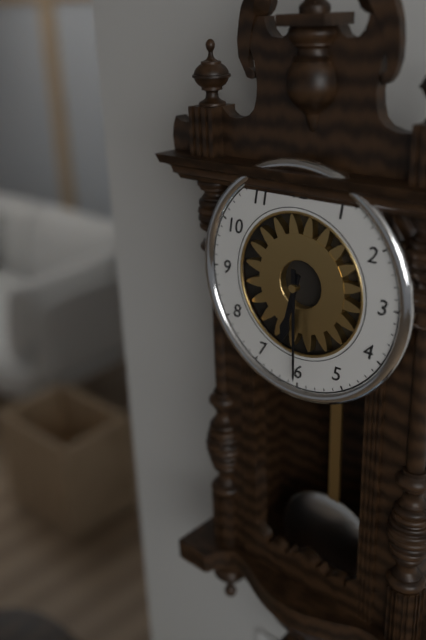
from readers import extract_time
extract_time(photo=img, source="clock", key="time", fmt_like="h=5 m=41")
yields h=6 m=30
